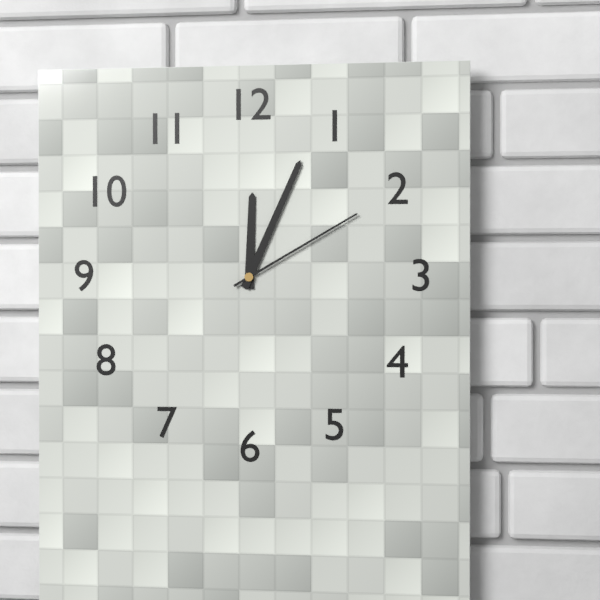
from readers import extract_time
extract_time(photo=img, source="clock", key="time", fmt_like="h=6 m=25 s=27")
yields h=12 m=4 s=10
